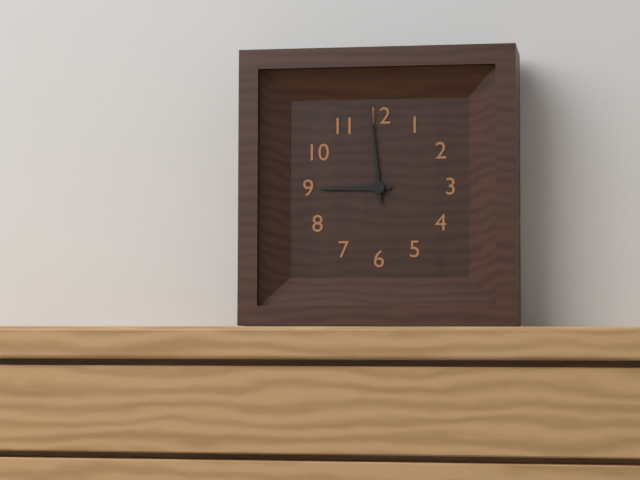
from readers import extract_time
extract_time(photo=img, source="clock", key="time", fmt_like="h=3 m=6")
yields h=8 m=59
